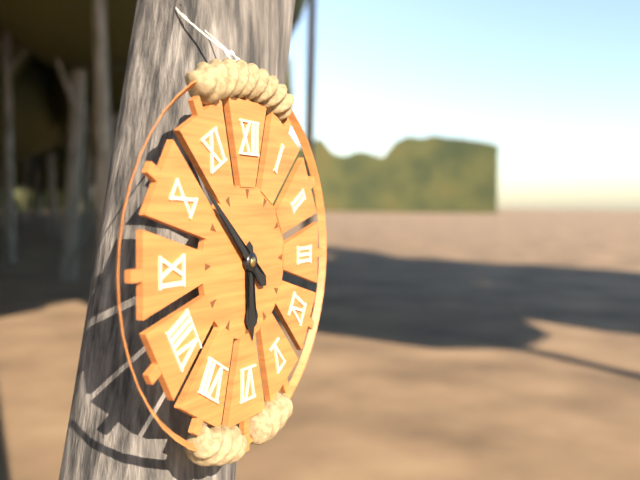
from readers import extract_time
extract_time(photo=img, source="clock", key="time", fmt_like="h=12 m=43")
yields h=5 m=52
